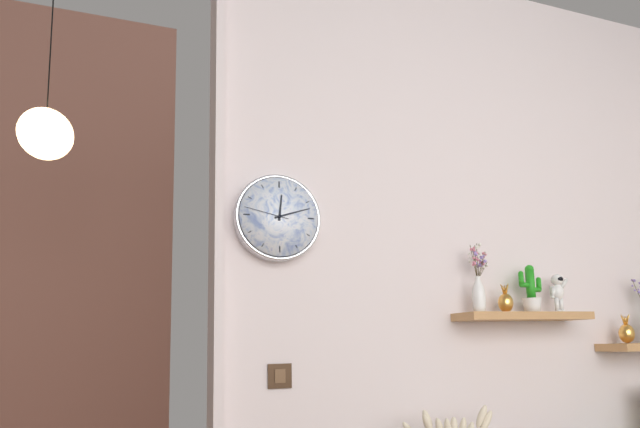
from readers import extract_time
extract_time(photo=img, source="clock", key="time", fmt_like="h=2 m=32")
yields h=12 m=12
